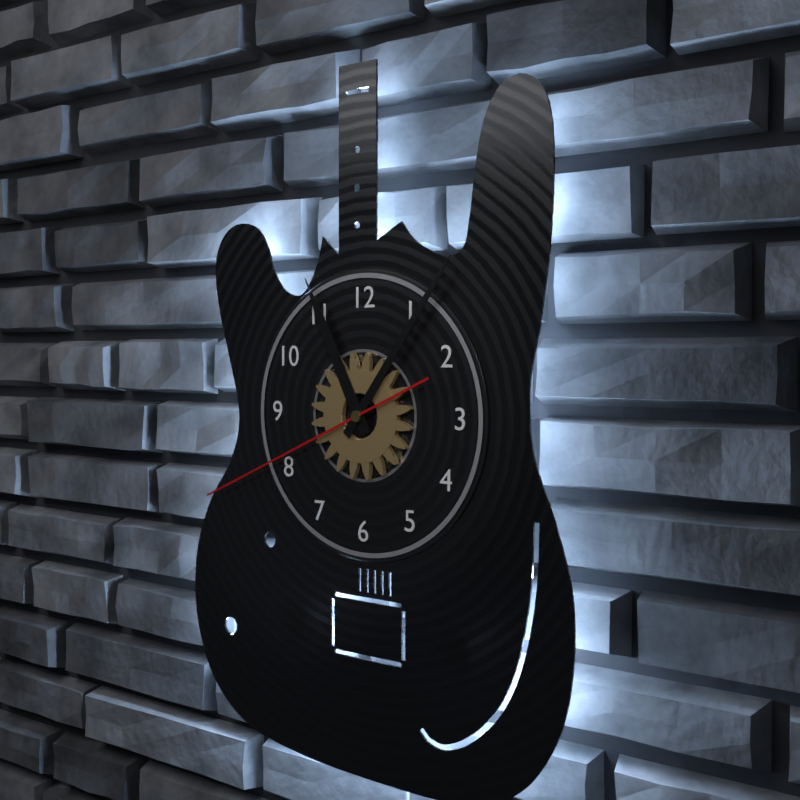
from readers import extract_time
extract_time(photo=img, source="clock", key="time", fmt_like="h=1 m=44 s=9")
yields h=11 m=6 s=41
